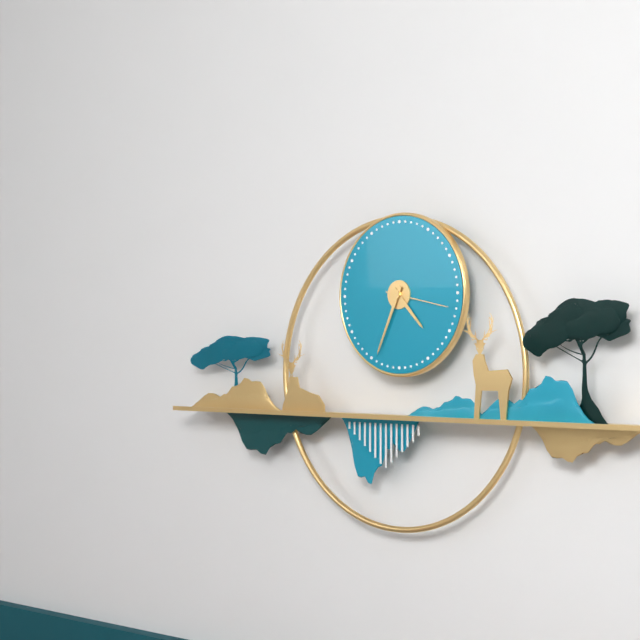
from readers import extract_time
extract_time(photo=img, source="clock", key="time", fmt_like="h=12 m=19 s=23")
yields h=4 m=34 s=17
